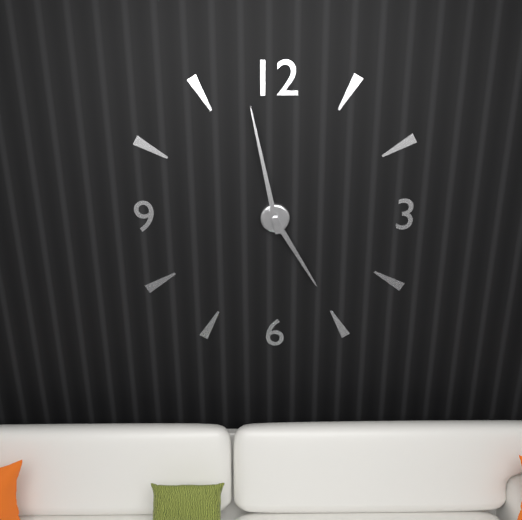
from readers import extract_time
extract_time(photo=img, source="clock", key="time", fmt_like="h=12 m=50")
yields h=4 m=58
